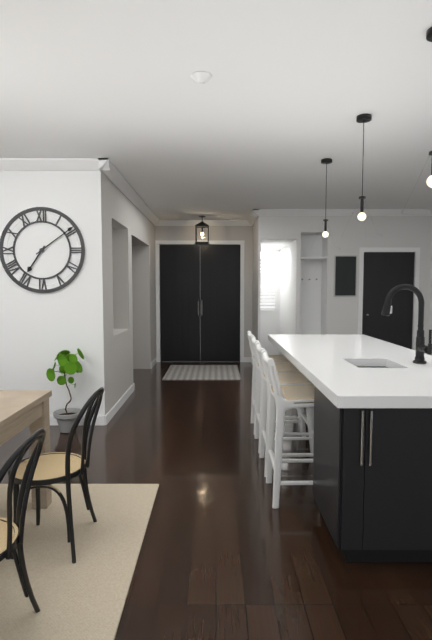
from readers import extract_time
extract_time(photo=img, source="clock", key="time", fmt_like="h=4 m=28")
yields h=7 m=9
